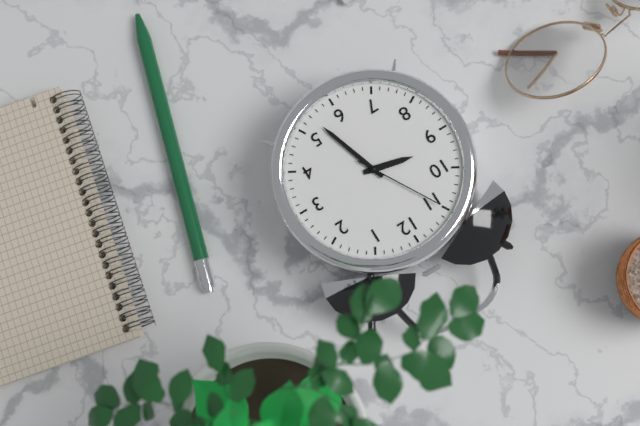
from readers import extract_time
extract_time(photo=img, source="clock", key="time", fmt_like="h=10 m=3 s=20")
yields h=9 m=27 s=55
